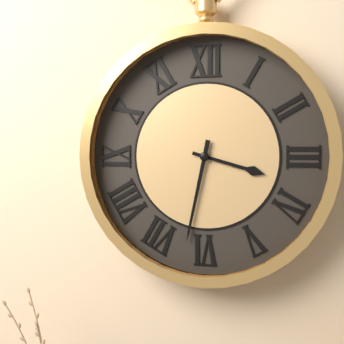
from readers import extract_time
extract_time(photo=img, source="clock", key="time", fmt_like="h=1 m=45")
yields h=3 m=32
